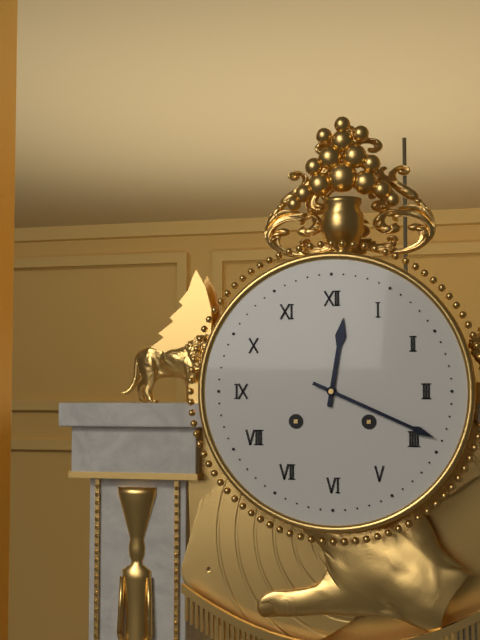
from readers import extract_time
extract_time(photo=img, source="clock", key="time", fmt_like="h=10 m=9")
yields h=12 m=19
